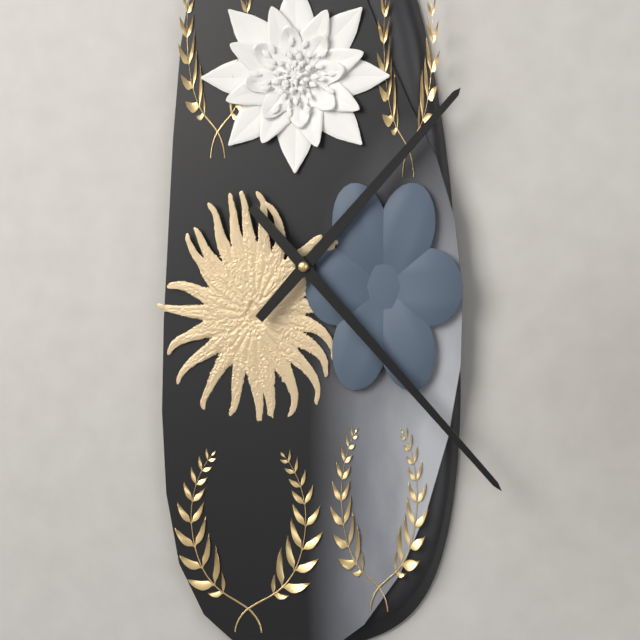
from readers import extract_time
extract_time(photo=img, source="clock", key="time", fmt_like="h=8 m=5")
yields h=1 m=23
